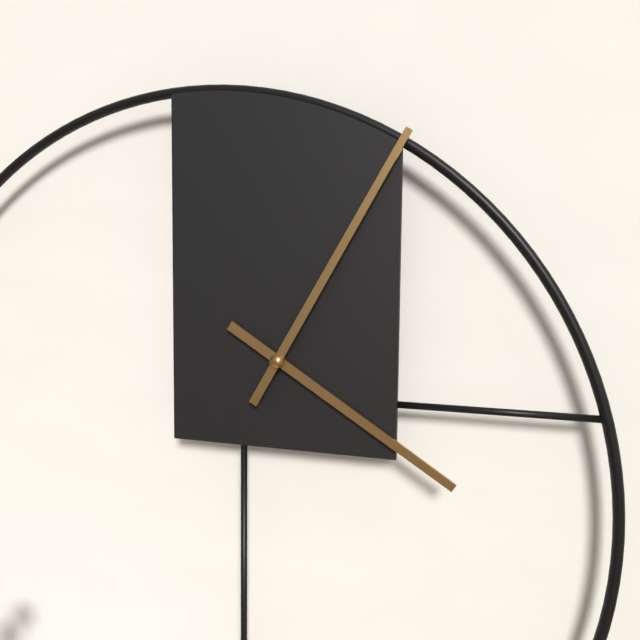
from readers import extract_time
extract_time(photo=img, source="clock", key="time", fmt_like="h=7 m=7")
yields h=4 m=5
